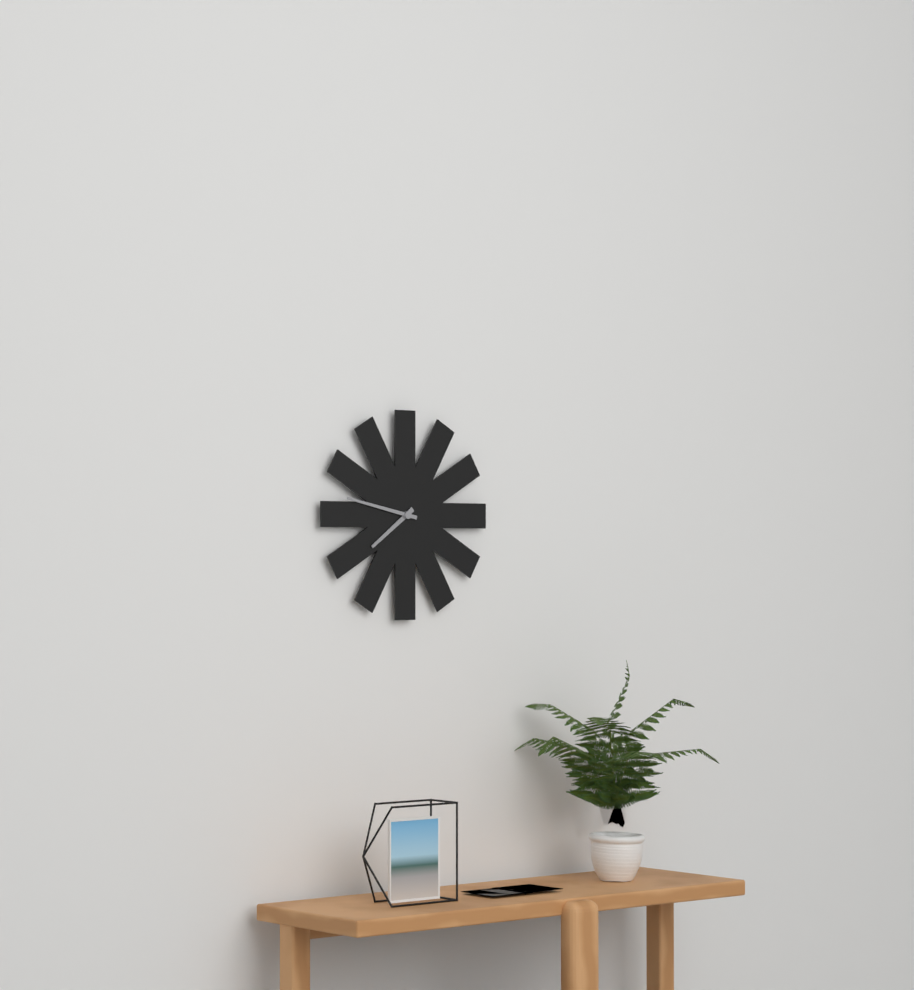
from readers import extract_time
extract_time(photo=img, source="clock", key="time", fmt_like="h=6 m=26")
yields h=7 m=47
